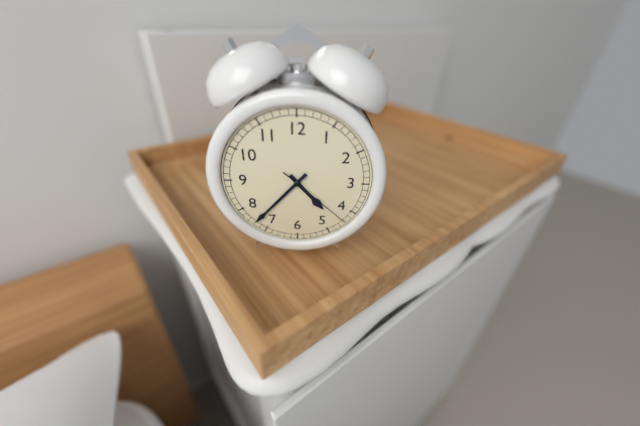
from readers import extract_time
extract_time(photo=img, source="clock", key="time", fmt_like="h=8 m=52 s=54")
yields h=4 m=37 s=22
